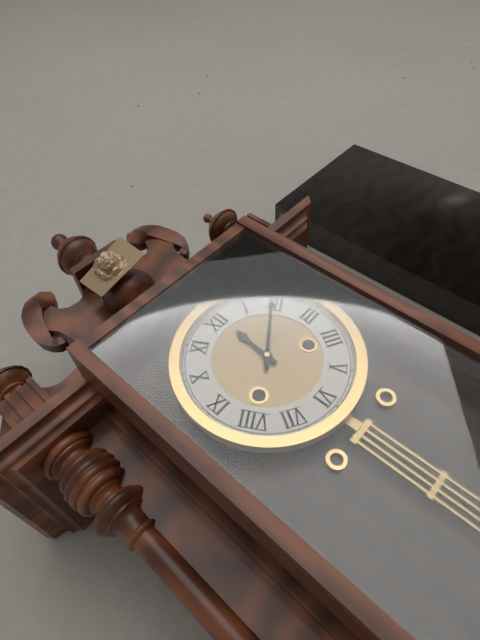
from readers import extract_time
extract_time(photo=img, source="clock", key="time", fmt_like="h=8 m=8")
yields h=12 m=9
